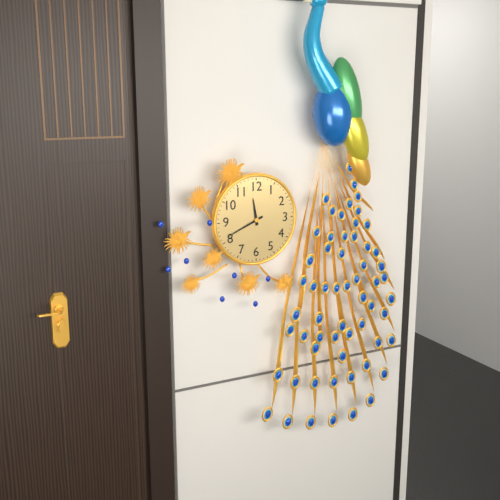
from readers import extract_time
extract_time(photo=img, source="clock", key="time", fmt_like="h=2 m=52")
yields h=11 m=41
